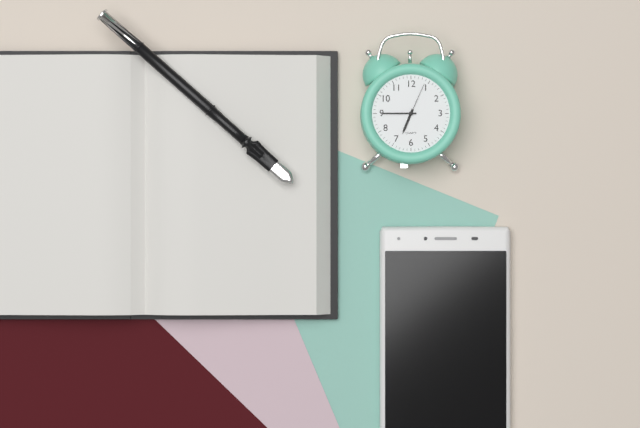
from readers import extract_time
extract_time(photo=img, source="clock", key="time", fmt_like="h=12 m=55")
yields h=6 m=45
